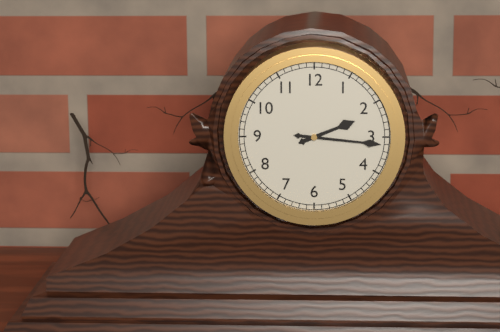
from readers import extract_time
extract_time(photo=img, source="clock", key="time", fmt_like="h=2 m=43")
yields h=2 m=16
